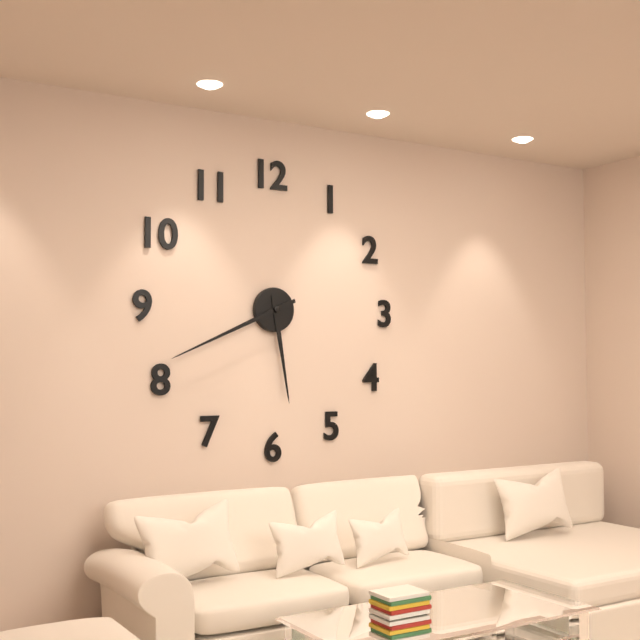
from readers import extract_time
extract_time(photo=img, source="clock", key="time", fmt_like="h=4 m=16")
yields h=5 m=41
